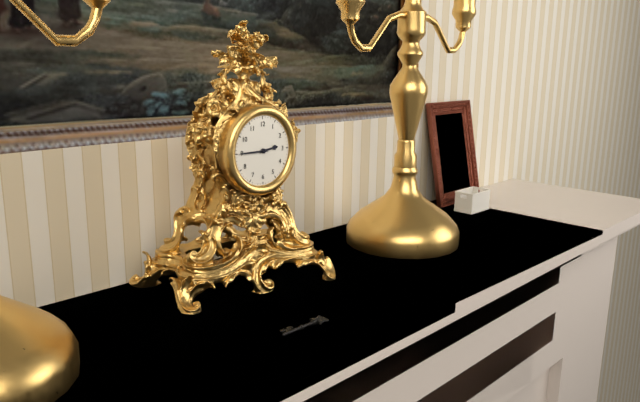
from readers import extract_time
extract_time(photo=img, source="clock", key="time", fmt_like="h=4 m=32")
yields h=2 m=45
